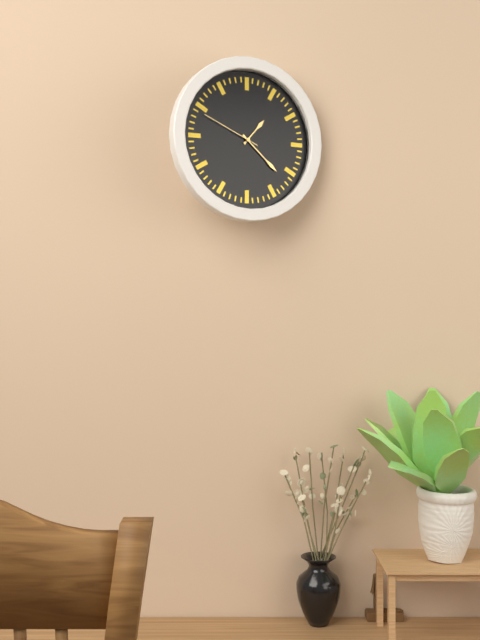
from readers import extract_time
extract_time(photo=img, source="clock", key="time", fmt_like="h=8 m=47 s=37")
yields h=1 m=22 s=49
